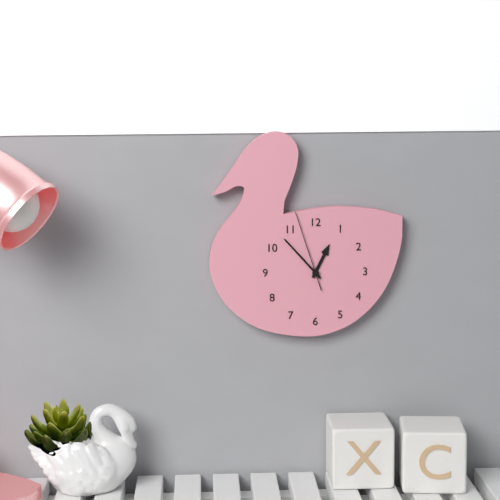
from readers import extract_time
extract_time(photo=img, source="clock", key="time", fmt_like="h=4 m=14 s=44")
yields h=12 m=53 s=57
